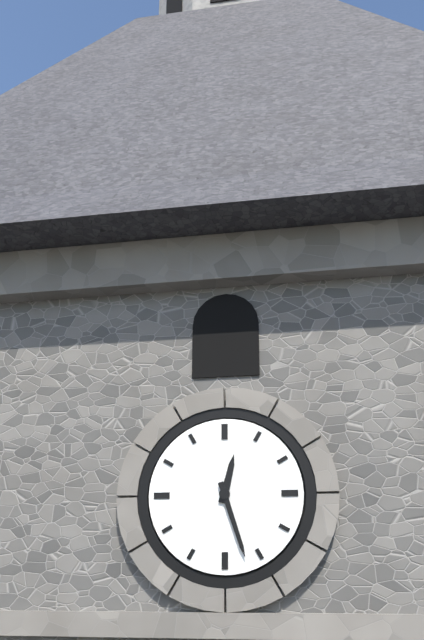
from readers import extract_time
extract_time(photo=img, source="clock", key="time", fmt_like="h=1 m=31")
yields h=12 m=27
